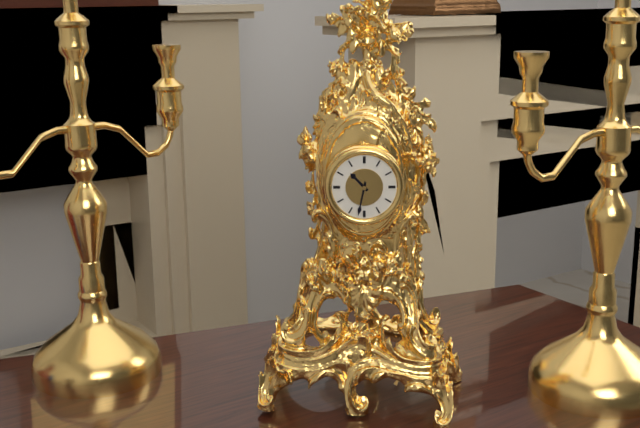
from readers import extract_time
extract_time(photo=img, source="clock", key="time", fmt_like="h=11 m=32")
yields h=10 m=32
